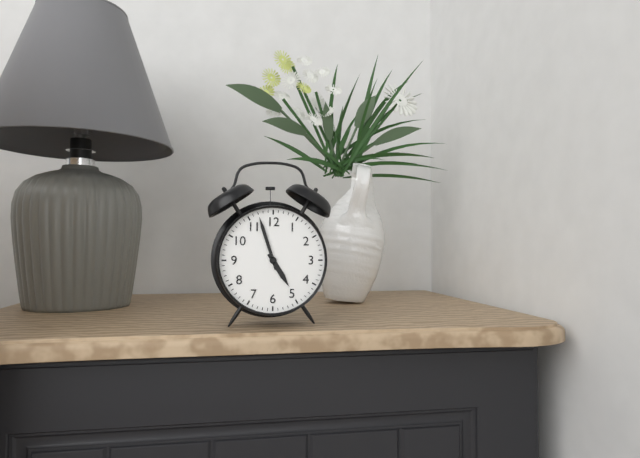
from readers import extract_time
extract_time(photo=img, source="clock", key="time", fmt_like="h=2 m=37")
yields h=4 m=57
